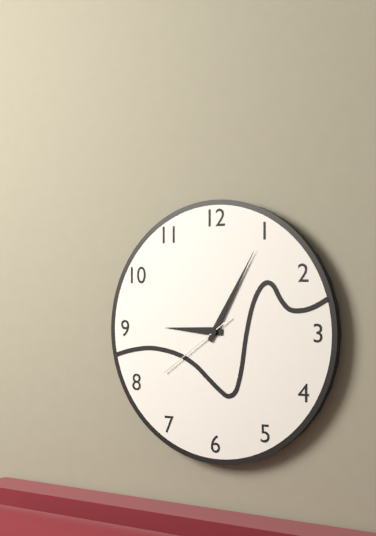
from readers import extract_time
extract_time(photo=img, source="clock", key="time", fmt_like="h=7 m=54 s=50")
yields h=9 m=5 s=39
